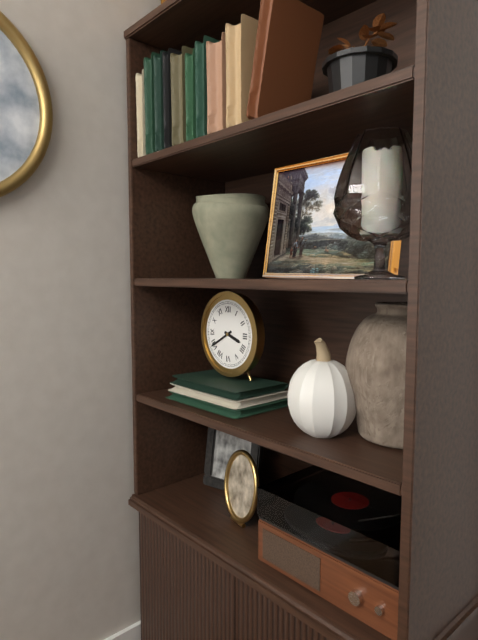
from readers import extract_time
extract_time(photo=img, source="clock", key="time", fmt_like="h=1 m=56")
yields h=3 m=40
